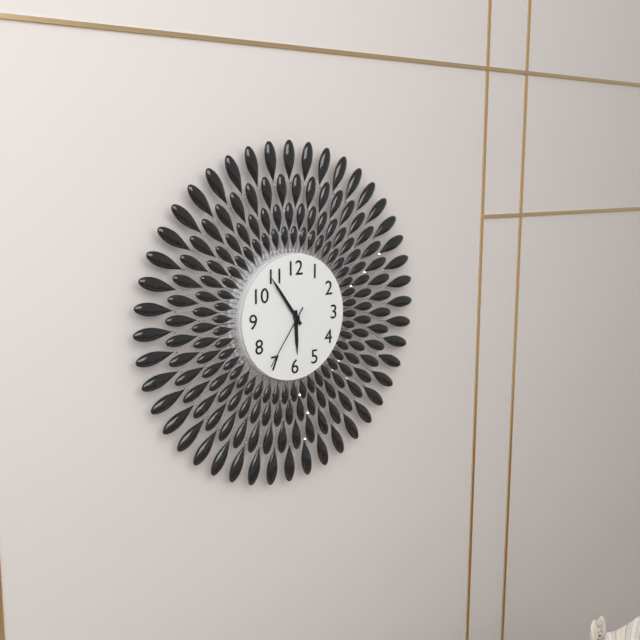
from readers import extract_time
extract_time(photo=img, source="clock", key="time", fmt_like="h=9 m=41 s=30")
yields h=5 m=54 s=36
